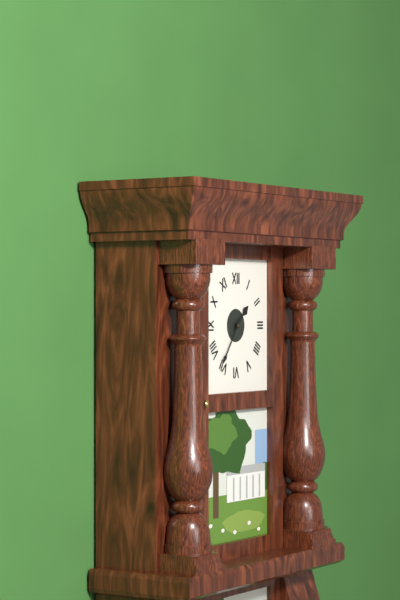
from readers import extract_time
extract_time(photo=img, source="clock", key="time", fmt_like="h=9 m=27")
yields h=1 m=36
